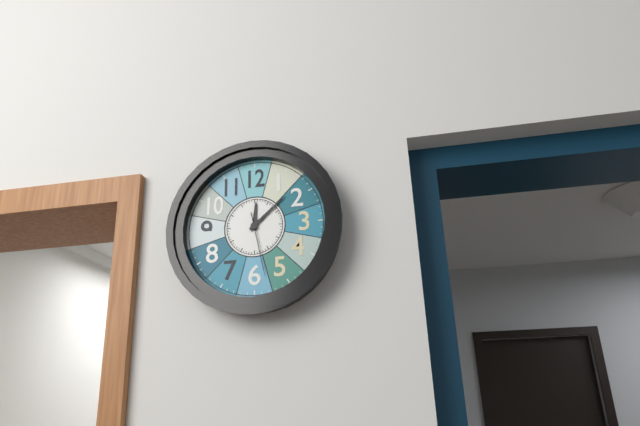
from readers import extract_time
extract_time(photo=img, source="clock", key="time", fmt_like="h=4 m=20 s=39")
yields h=12 m=8 s=28
